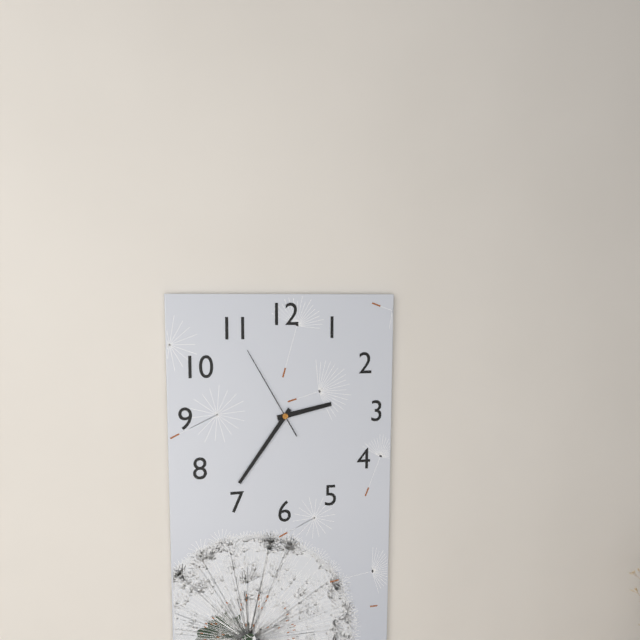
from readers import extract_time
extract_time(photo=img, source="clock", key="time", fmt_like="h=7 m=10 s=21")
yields h=2 m=36 s=55
